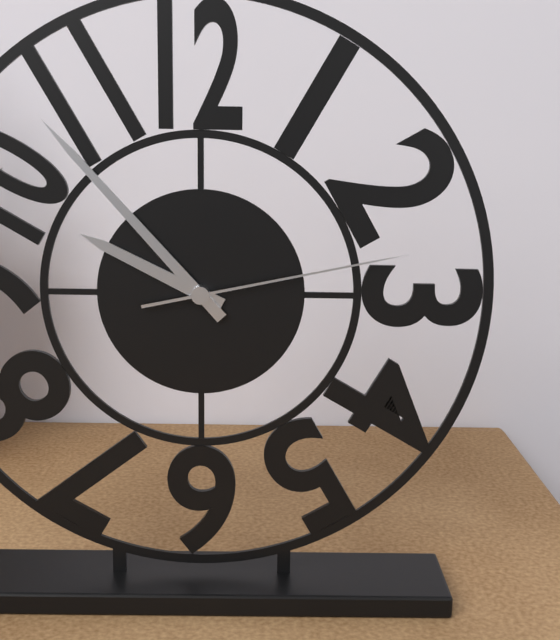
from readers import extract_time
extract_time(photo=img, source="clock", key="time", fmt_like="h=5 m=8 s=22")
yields h=9 m=53 s=13
